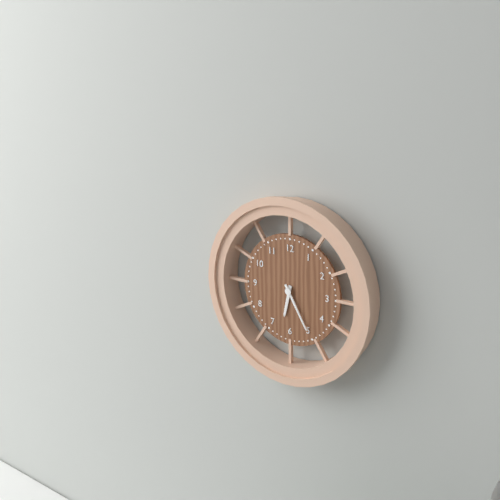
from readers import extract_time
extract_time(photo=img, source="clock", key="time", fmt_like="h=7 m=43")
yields h=6 m=25
